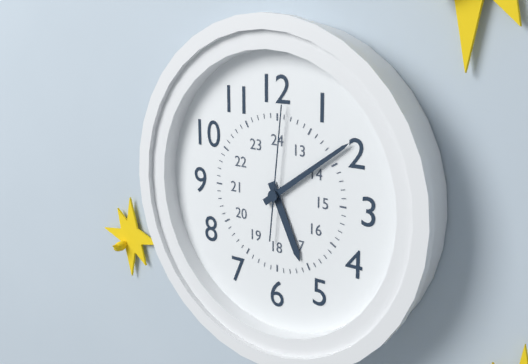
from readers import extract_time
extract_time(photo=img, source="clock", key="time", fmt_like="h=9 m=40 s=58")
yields h=5 m=9 s=1
